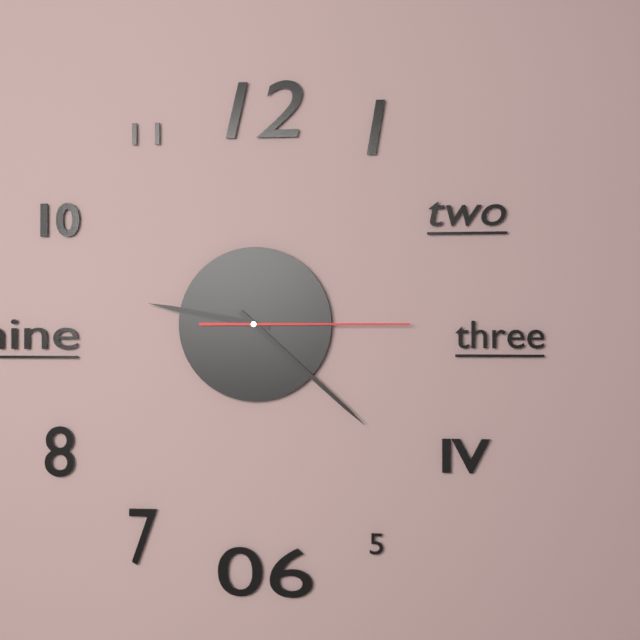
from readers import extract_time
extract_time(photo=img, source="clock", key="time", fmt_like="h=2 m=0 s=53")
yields h=9 m=22 s=15
